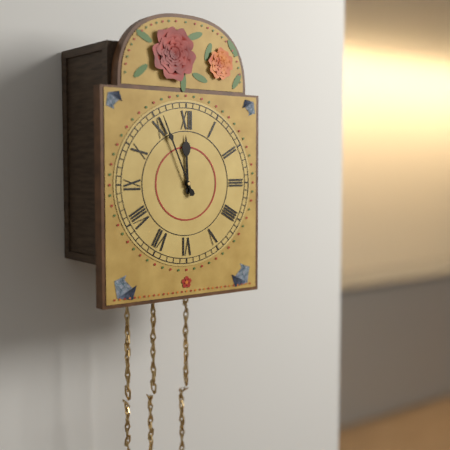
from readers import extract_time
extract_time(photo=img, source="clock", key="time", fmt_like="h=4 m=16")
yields h=11 m=56
